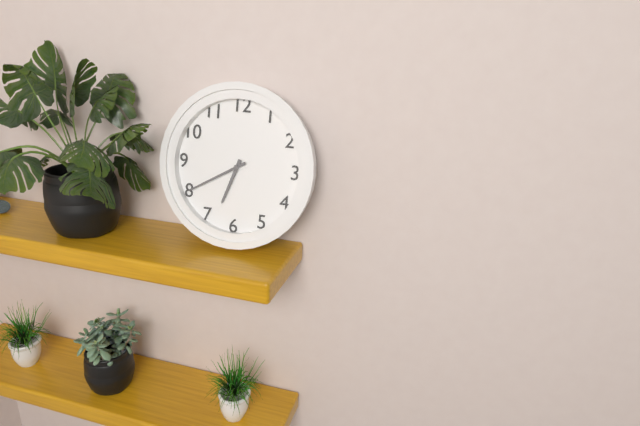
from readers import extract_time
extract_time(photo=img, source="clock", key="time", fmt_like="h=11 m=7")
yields h=6 m=40
